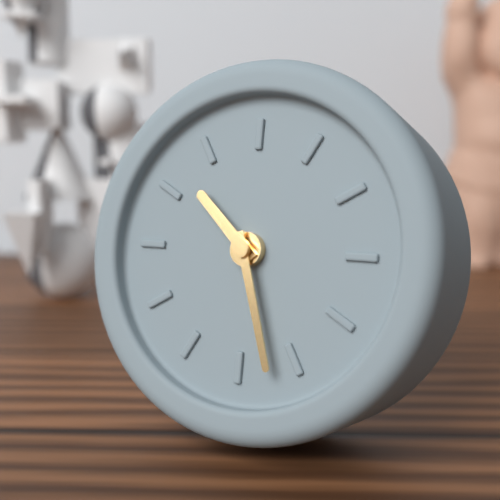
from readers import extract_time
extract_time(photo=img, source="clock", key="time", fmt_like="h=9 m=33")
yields h=10 m=27
